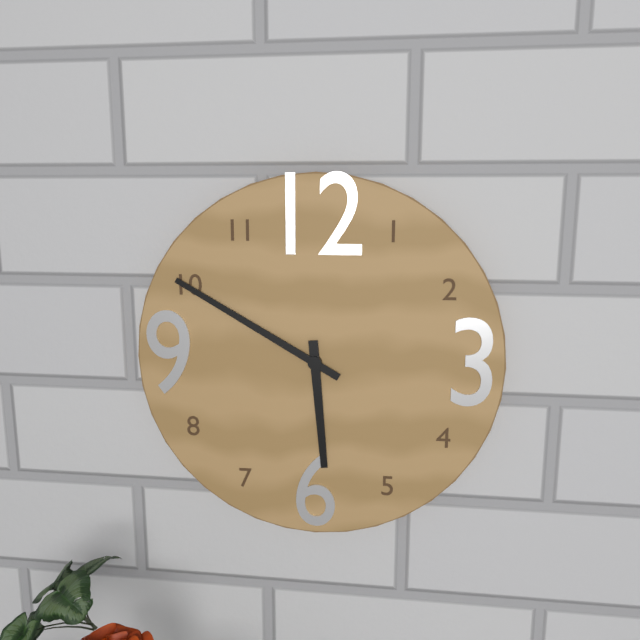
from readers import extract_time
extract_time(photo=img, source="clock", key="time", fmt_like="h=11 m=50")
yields h=5 m=50
